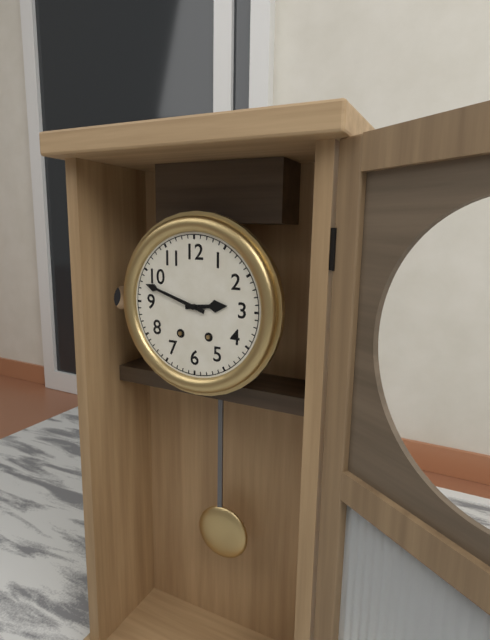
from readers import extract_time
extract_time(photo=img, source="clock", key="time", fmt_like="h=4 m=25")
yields h=2 m=48
